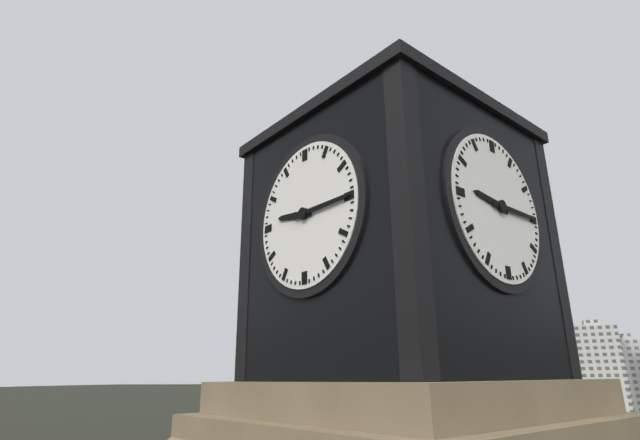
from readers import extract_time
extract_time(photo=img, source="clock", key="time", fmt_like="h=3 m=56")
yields h=9 m=15
